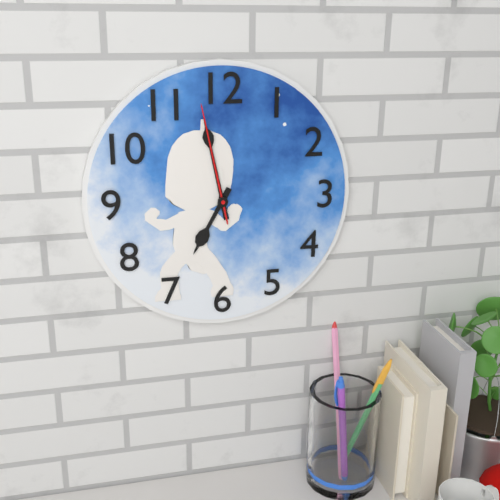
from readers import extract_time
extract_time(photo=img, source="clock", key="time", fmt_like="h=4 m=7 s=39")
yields h=6 m=58 s=58
